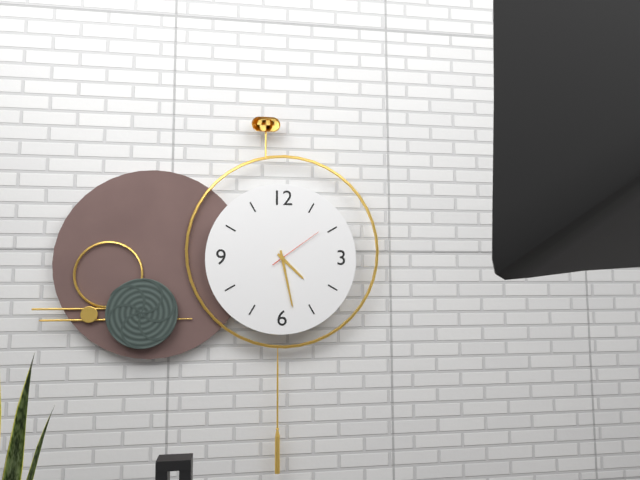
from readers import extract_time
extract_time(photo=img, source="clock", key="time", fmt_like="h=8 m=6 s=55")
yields h=4 m=28 s=9
